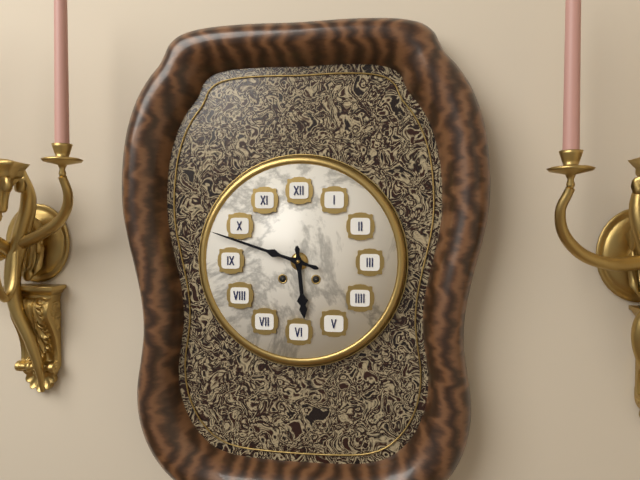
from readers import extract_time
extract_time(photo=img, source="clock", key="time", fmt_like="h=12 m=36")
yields h=5 m=48
